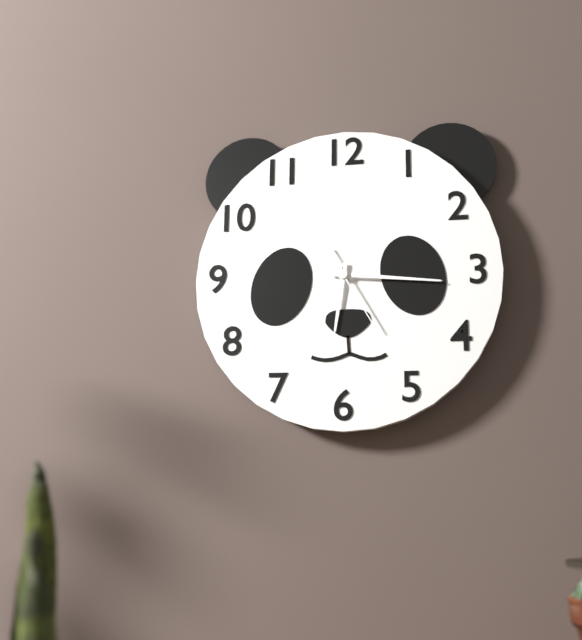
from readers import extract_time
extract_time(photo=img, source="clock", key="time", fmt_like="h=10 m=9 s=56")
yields h=6 m=16 s=25
